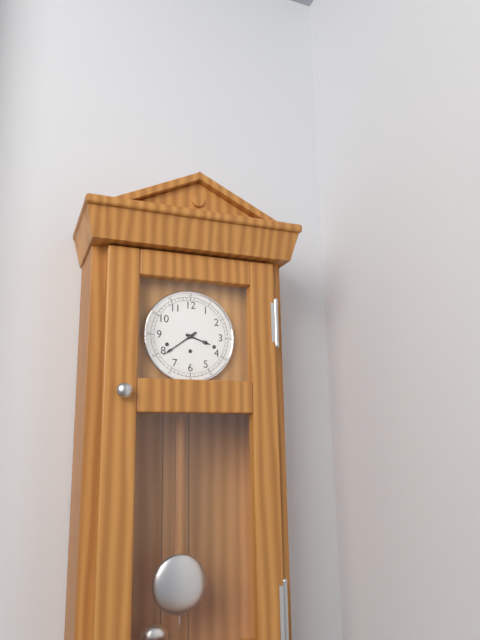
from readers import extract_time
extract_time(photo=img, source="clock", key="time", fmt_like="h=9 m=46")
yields h=3 m=39
